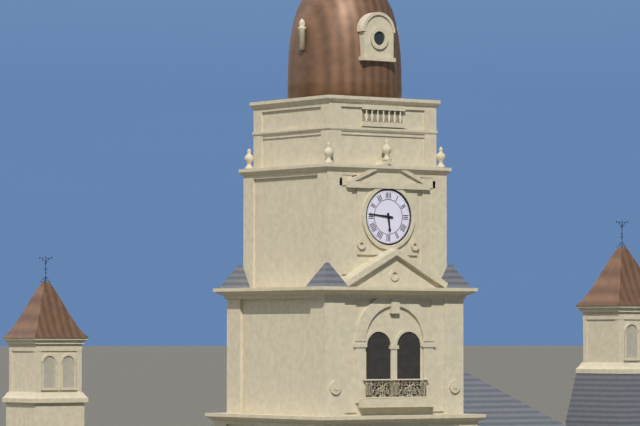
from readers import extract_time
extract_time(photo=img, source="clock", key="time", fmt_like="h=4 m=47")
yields h=5 m=46
